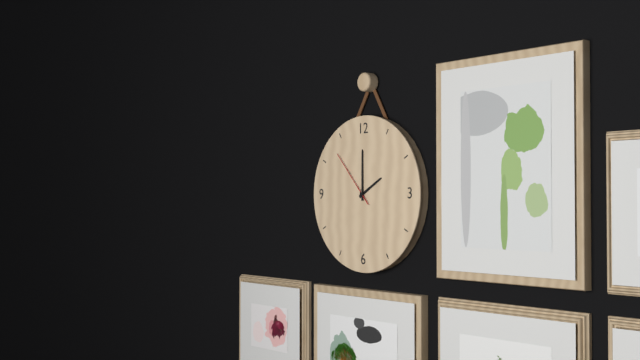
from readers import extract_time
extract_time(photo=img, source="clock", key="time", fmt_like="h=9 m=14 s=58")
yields h=2 m=0 s=53
